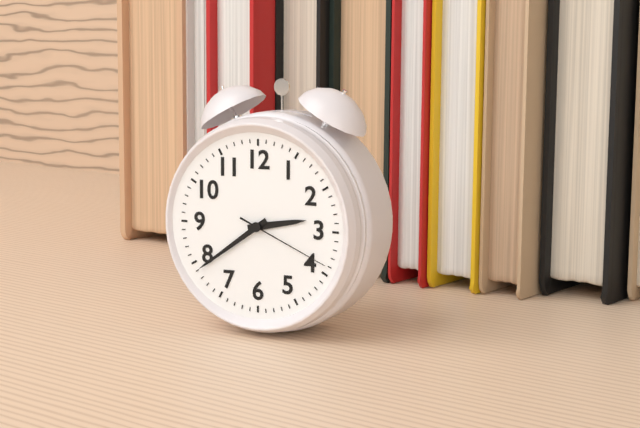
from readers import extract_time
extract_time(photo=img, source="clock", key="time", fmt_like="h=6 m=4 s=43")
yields h=2 m=39 s=19
